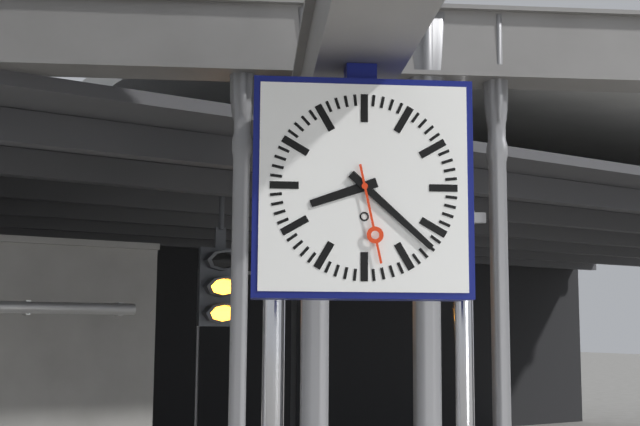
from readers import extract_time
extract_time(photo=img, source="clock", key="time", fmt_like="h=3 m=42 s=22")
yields h=8 m=22 s=28
